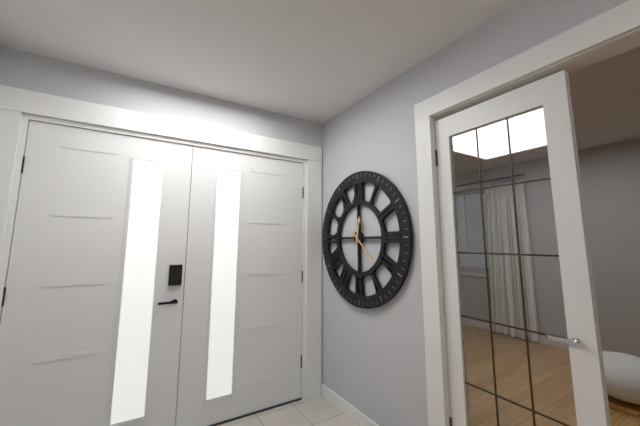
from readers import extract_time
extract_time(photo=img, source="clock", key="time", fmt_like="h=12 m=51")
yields h=12 m=22
